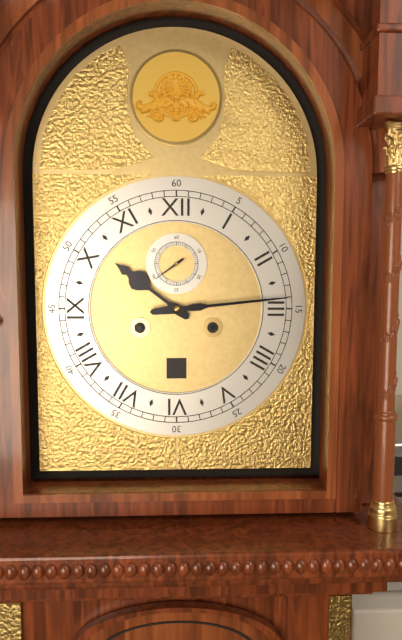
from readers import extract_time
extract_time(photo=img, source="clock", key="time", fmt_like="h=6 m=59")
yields h=10 m=14
